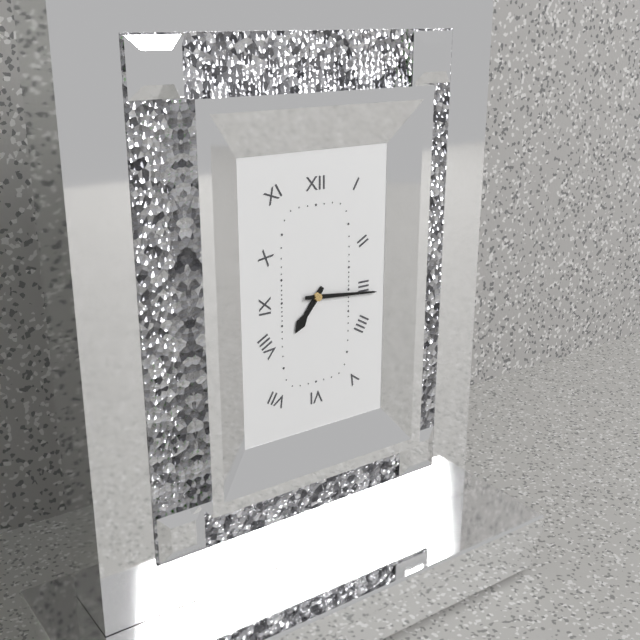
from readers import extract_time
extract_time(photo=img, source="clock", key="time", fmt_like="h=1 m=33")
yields h=7 m=16
